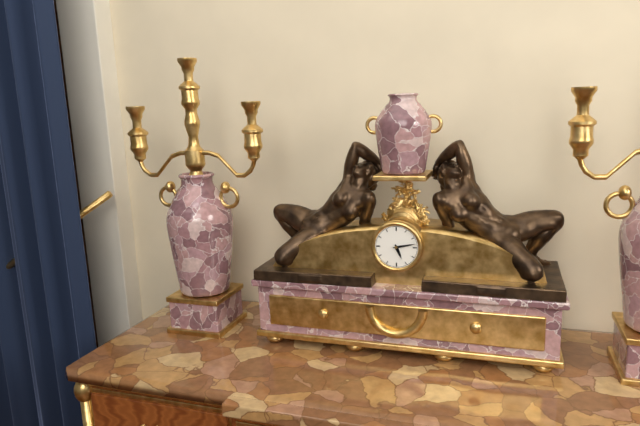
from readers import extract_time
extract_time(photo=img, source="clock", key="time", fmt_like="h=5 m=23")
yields h=5 m=13
